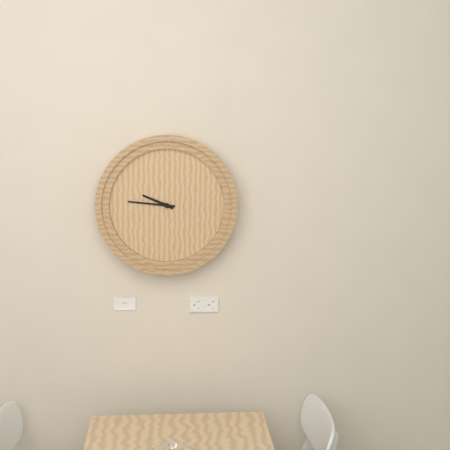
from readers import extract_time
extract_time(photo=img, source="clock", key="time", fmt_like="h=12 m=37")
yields h=9 m=46
